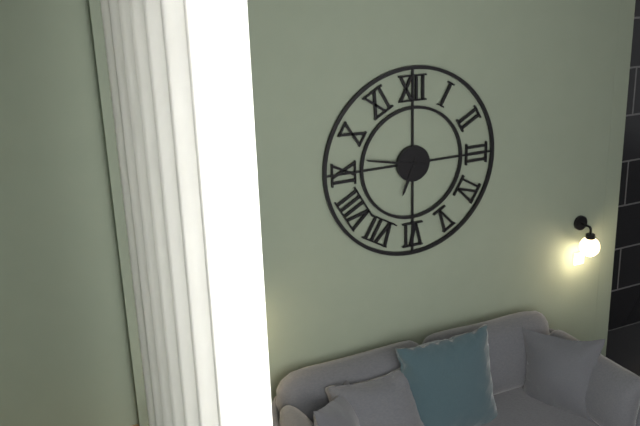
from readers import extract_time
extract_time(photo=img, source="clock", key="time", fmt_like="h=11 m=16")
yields h=6 m=47
